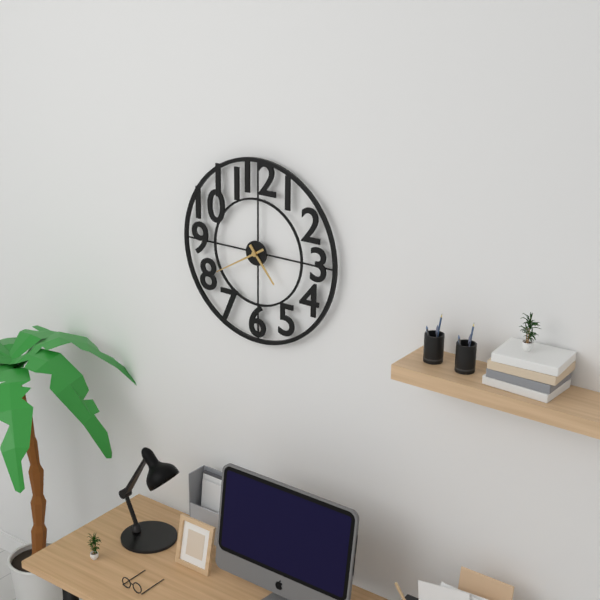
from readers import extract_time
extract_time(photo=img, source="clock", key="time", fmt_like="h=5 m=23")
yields h=4 m=40
